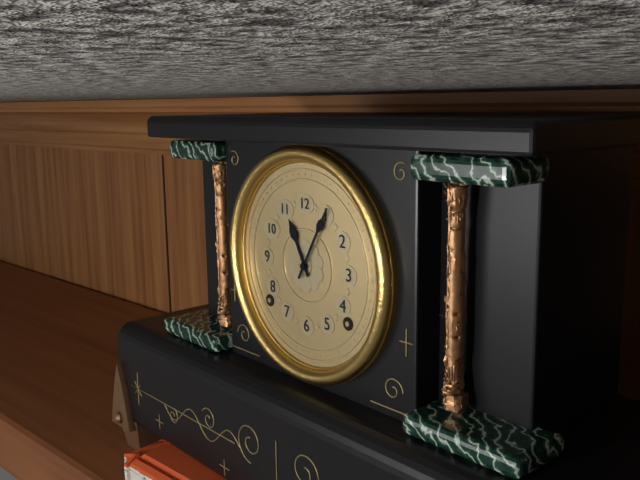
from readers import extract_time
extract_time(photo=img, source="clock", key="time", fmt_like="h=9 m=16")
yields h=11 m=5
